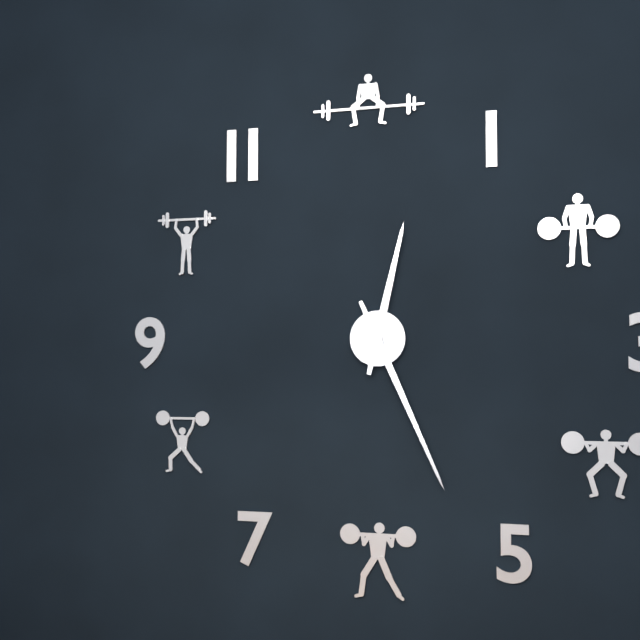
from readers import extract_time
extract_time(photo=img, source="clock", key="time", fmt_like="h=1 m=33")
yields h=12 m=26
